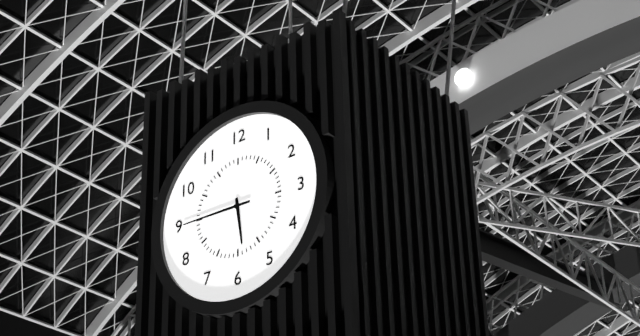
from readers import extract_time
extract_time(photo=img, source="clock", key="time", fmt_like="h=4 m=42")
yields h=5 m=45
